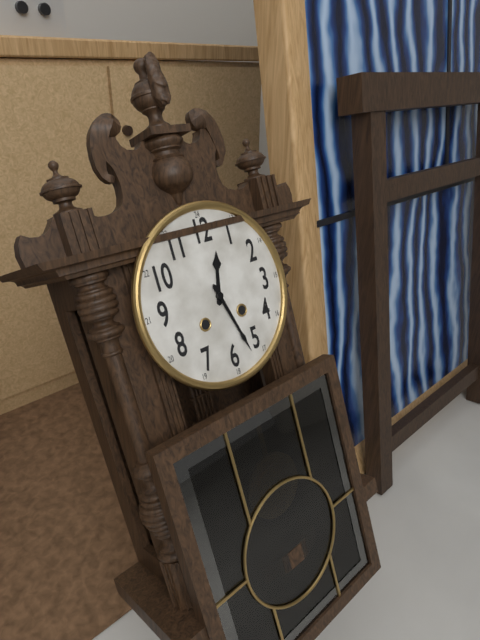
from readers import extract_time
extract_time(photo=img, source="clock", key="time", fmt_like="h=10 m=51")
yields h=12 m=27
